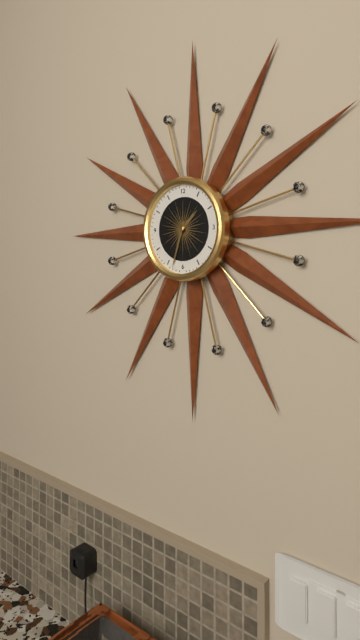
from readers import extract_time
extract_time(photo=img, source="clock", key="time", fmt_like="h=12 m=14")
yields h=1 m=33
